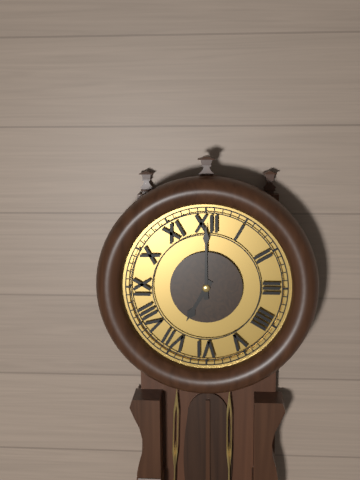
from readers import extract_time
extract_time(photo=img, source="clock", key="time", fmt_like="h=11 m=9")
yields h=7 m=0
